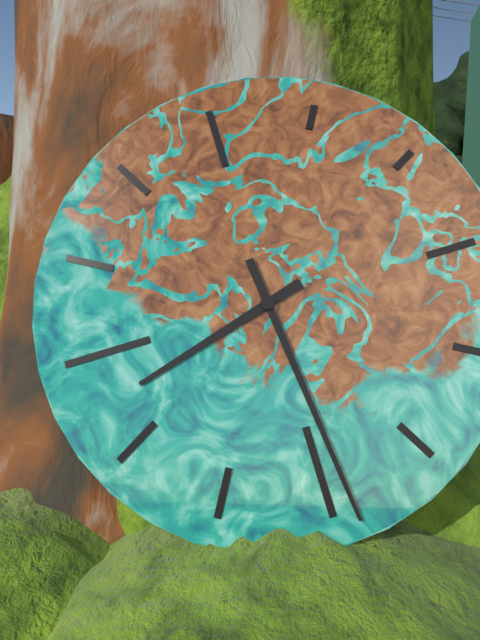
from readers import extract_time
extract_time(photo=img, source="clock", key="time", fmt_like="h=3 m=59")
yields h=8 m=29
